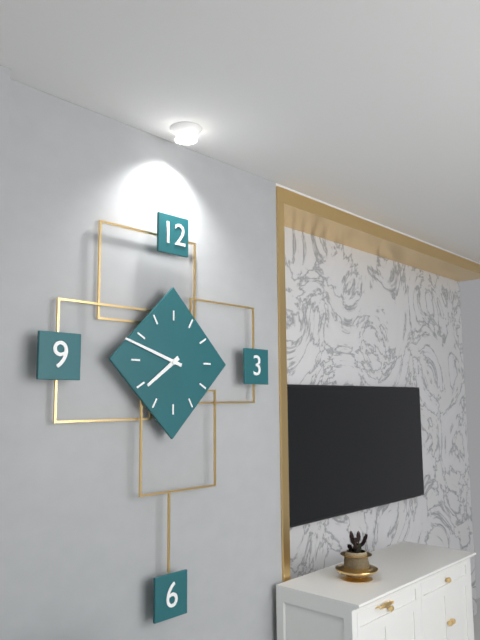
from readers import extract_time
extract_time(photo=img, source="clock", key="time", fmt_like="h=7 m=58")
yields h=7 m=48
